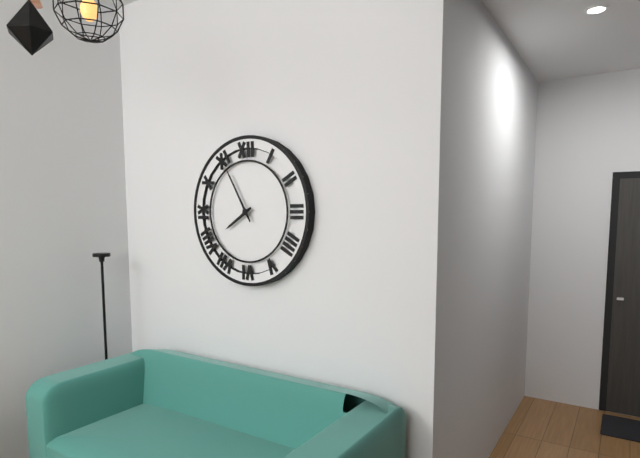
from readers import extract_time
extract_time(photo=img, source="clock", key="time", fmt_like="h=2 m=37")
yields h=7 m=55
